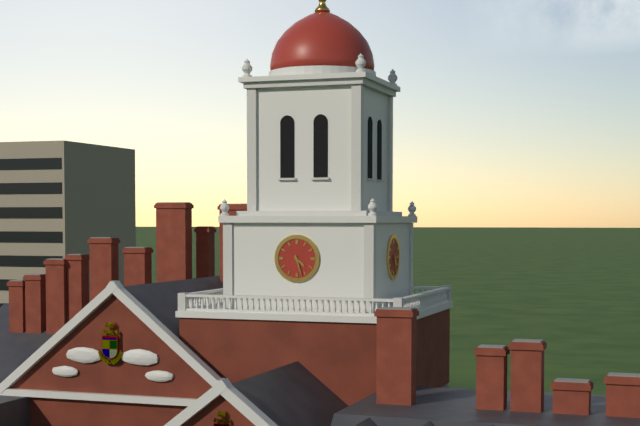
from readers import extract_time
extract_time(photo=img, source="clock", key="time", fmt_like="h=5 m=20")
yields h=4 m=27
